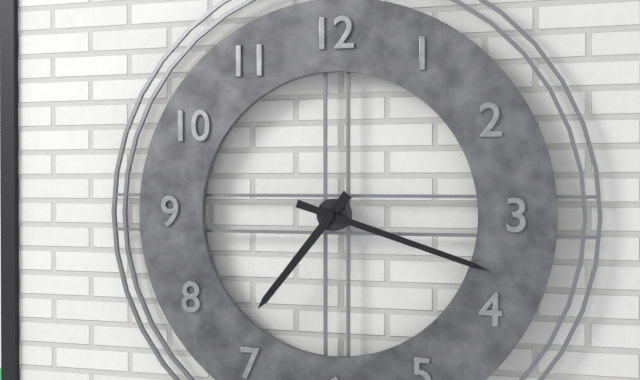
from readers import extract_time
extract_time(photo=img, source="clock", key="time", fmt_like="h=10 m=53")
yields h=7 m=18
